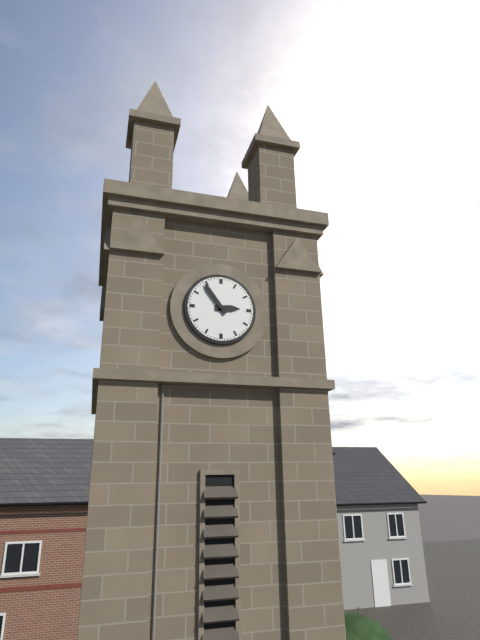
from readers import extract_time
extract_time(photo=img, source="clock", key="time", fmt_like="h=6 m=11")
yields h=2 m=54
